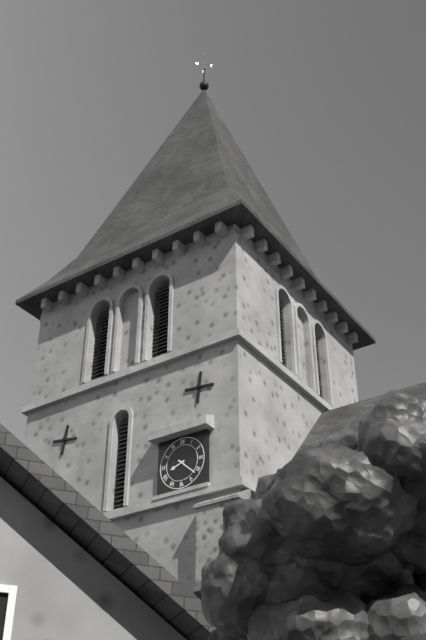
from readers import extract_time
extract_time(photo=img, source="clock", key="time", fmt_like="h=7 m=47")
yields h=8 m=22
